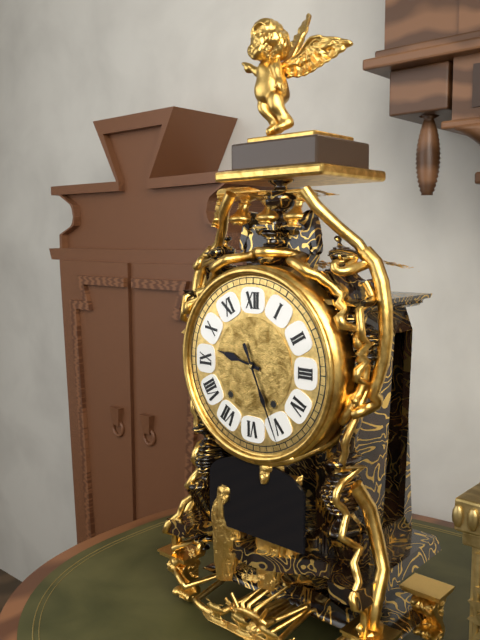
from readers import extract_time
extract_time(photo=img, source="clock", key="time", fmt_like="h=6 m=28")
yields h=9 m=26
